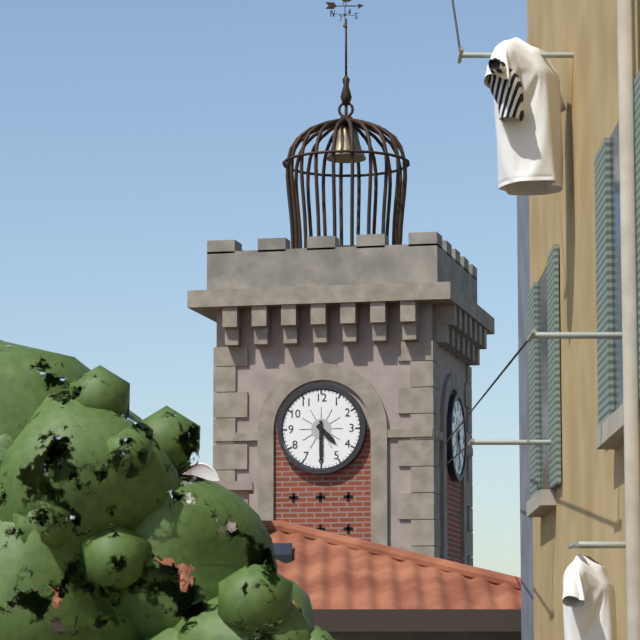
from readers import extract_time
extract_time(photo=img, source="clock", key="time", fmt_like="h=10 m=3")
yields h=4 m=30
